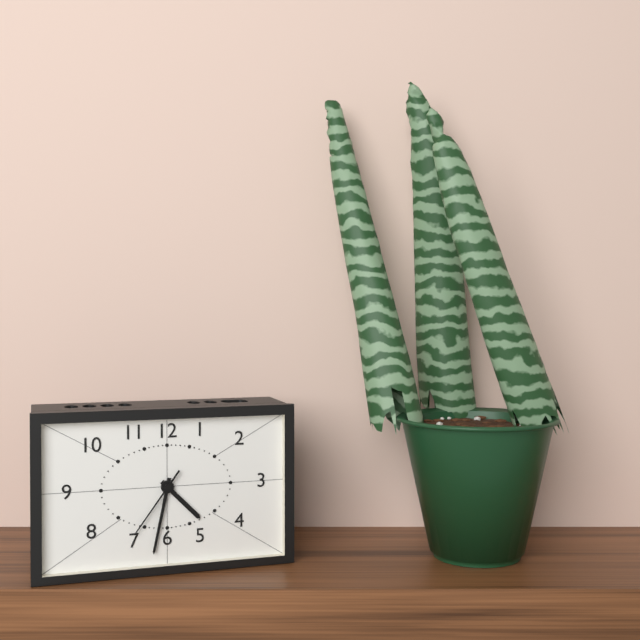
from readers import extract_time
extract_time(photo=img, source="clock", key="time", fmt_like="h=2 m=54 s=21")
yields h=4 m=32 s=36
